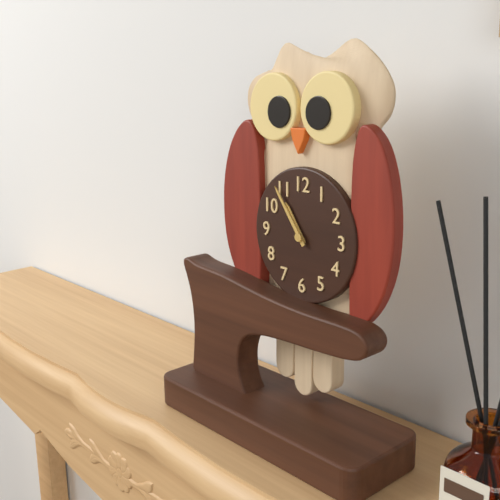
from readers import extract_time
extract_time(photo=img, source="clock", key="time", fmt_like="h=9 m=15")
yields h=10 m=54
